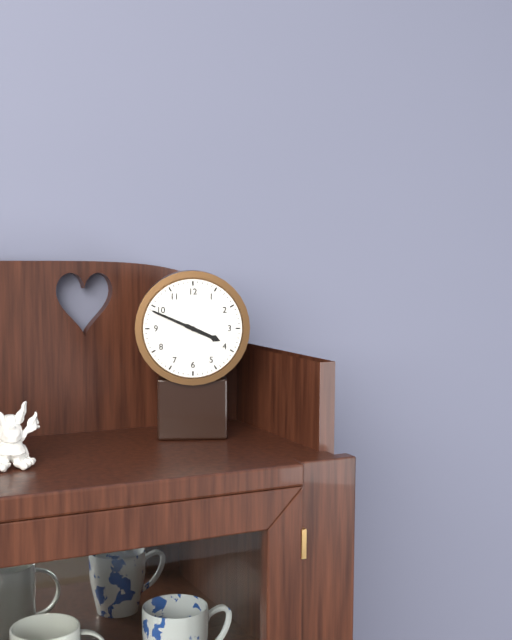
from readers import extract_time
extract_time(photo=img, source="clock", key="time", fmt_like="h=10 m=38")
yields h=3 m=49
